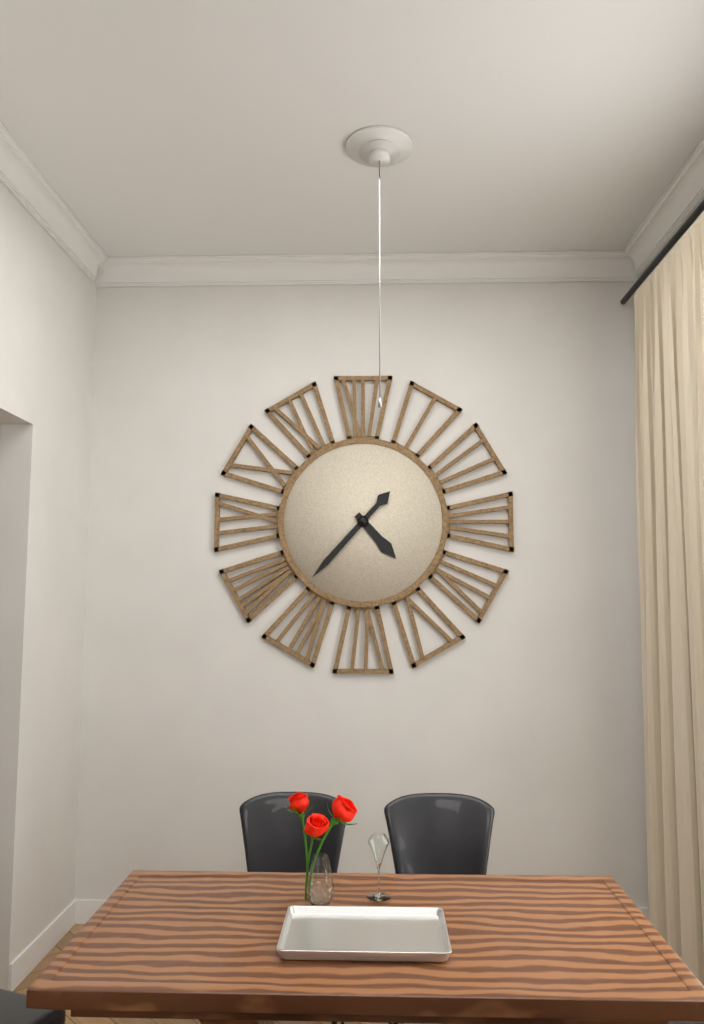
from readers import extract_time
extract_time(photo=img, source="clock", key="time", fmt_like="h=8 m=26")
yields h=4 m=37
